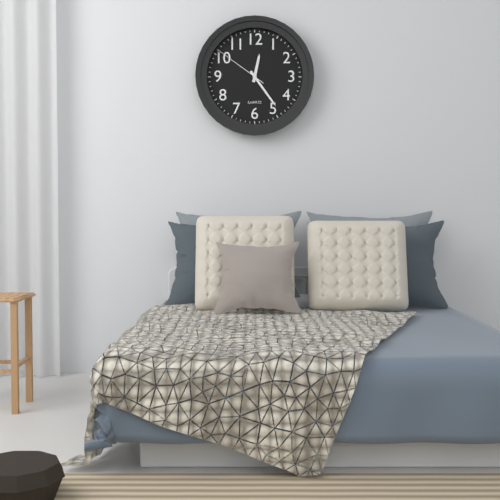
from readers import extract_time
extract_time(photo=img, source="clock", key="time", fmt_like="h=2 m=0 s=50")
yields h=12 m=24 s=51
